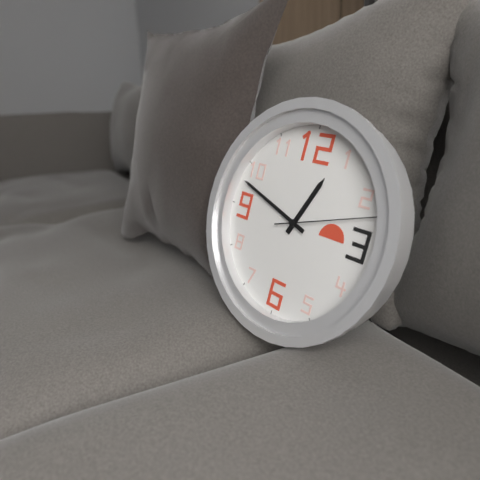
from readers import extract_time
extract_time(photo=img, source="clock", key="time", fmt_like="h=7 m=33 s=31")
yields h=12 m=48 s=12
